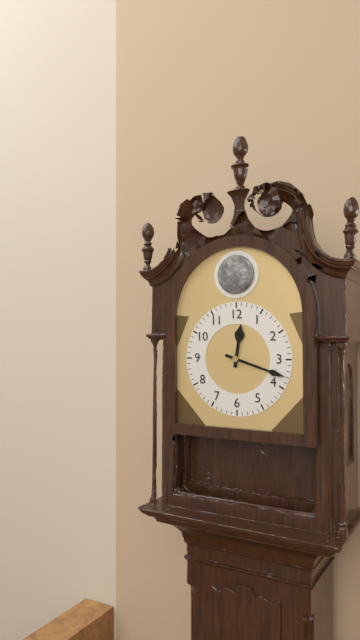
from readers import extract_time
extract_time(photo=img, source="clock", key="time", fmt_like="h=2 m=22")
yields h=12 m=18
